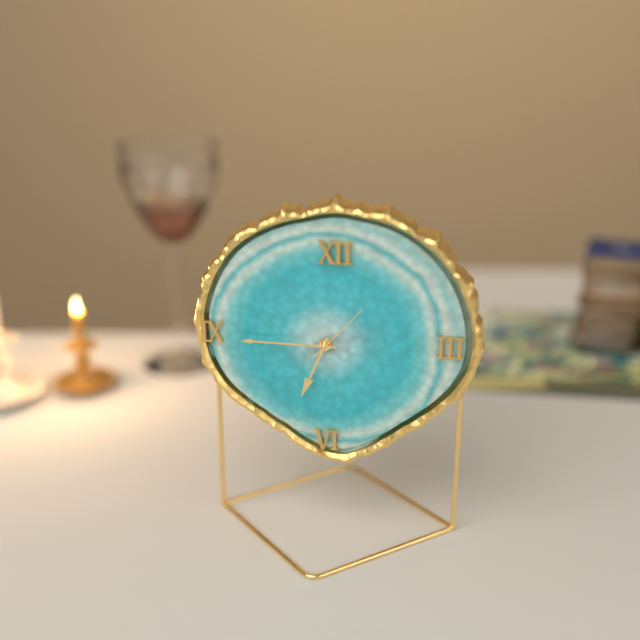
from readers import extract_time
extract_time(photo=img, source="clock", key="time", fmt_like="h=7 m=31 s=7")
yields h=6 m=45 s=7
